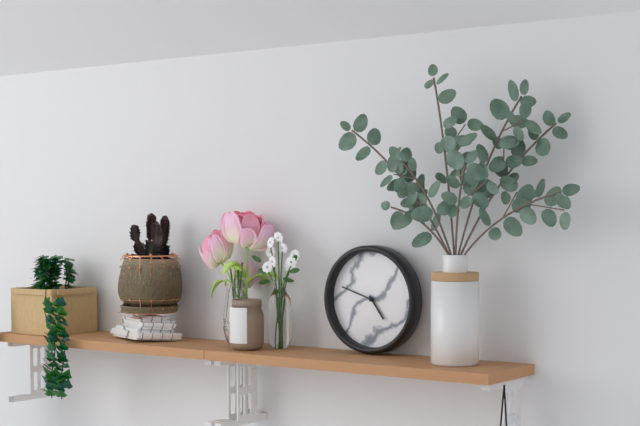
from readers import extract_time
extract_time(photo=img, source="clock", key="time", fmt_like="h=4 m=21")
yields h=4 m=48
